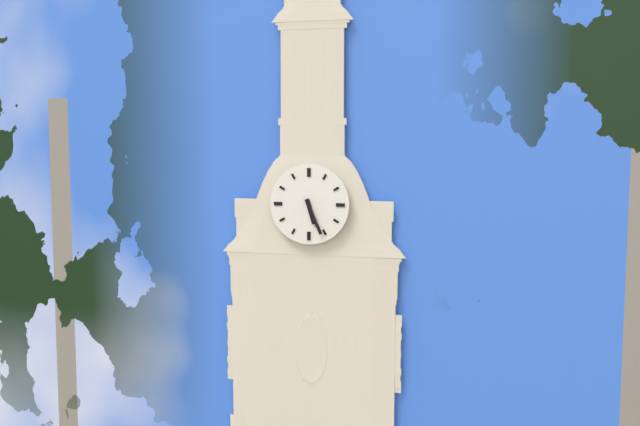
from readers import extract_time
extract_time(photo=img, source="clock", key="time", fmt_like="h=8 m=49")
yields h=5 m=26
